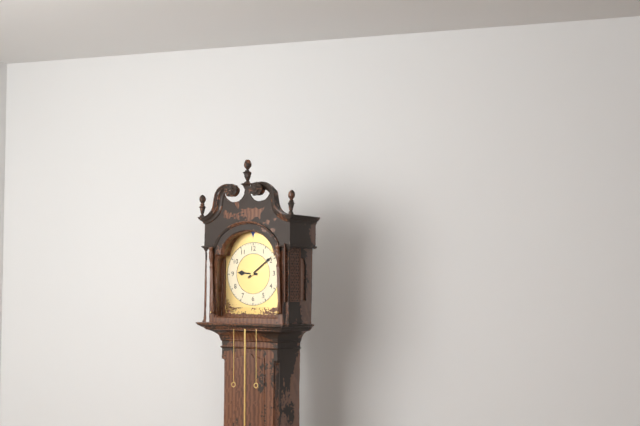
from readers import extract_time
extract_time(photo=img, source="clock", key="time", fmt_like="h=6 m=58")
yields h=9 m=9
